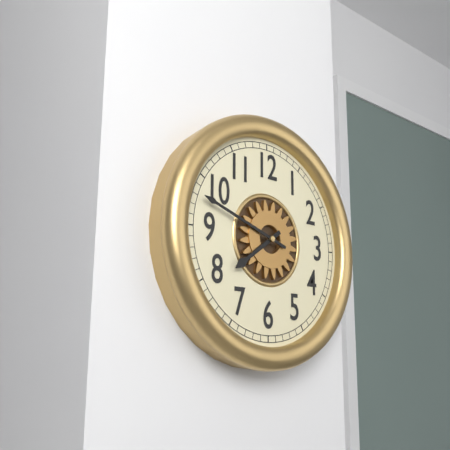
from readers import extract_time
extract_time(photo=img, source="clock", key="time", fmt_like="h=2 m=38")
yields h=7 m=48
